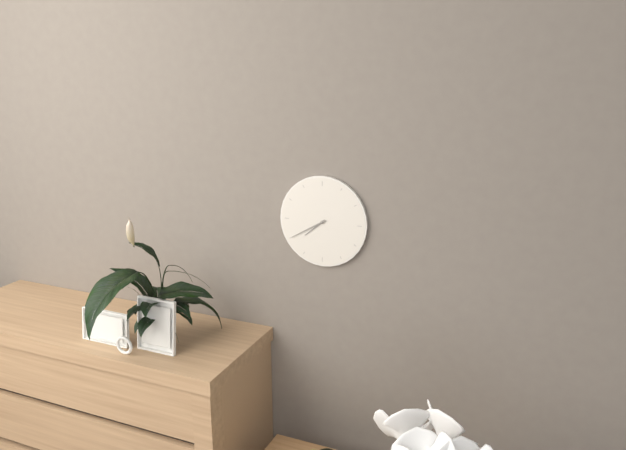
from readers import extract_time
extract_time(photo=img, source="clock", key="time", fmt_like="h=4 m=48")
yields h=7 m=40
